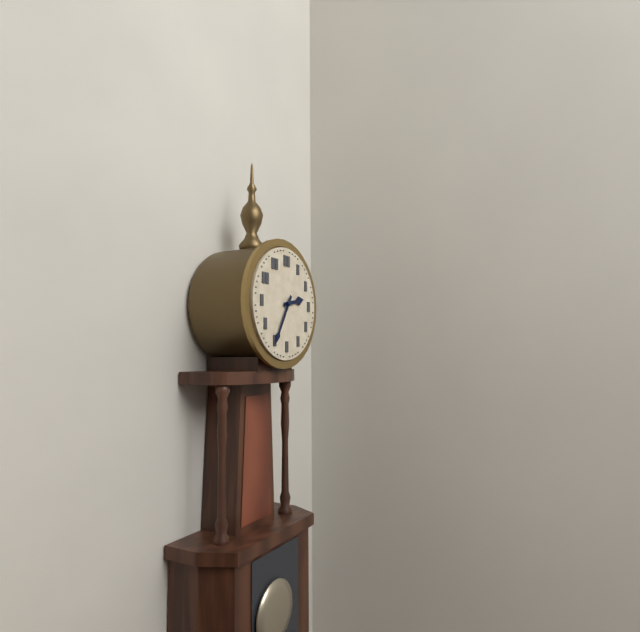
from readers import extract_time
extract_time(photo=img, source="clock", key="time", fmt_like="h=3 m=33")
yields h=2 m=35
